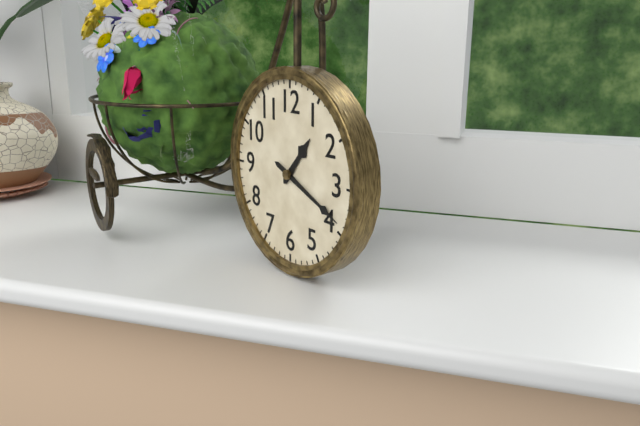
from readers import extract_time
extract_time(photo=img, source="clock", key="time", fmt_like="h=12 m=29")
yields h=1 m=19
